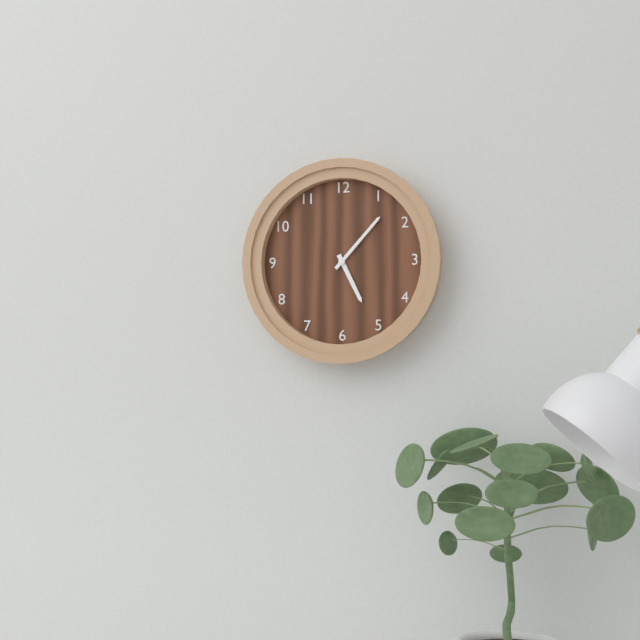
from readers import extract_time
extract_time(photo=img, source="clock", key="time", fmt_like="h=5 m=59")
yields h=5 m=7
